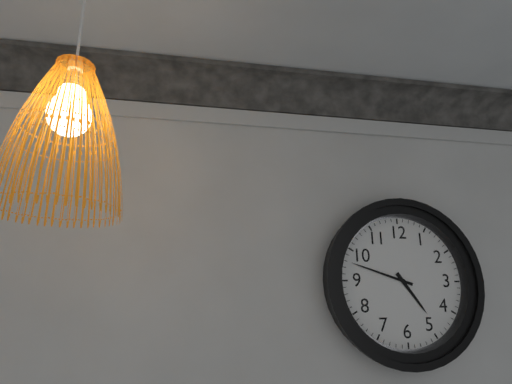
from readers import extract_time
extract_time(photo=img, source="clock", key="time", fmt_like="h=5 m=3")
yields h=4 m=48
